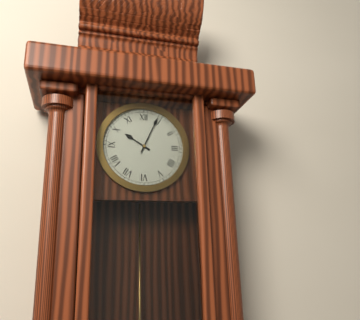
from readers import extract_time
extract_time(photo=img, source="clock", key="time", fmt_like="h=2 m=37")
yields h=10 m=4
